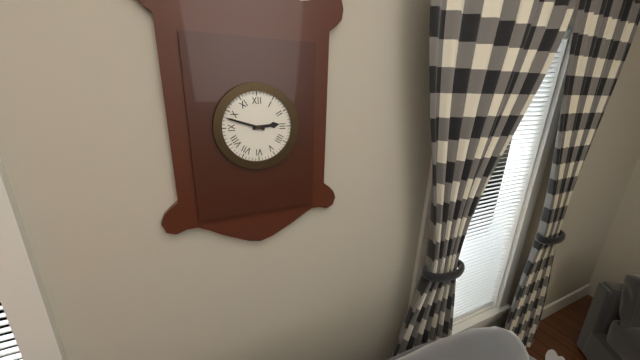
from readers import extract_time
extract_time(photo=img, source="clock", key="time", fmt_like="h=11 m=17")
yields h=2 m=48
